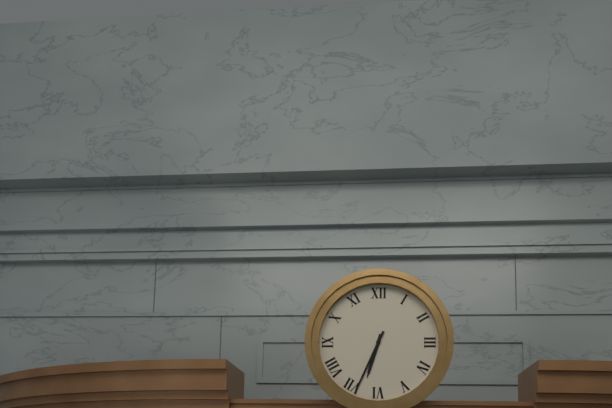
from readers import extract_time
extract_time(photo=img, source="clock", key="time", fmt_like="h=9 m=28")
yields h=6 m=34
